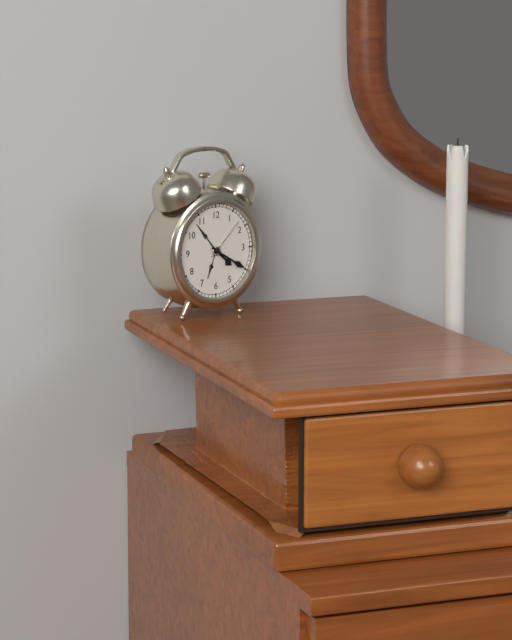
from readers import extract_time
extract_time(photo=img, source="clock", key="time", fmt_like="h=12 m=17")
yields h=4 m=20
